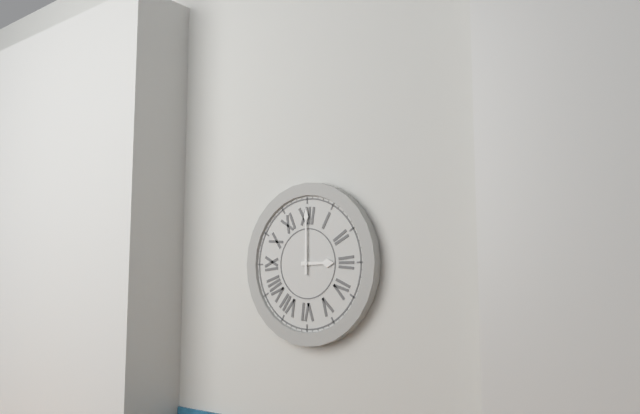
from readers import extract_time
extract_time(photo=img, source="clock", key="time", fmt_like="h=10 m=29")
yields h=3 m=0
